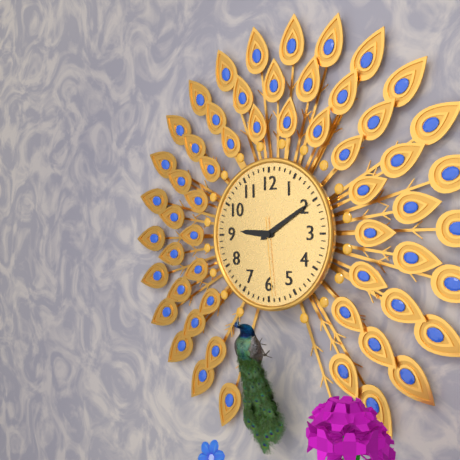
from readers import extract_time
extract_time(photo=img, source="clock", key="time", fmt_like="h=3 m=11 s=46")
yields h=9 m=10 s=29
